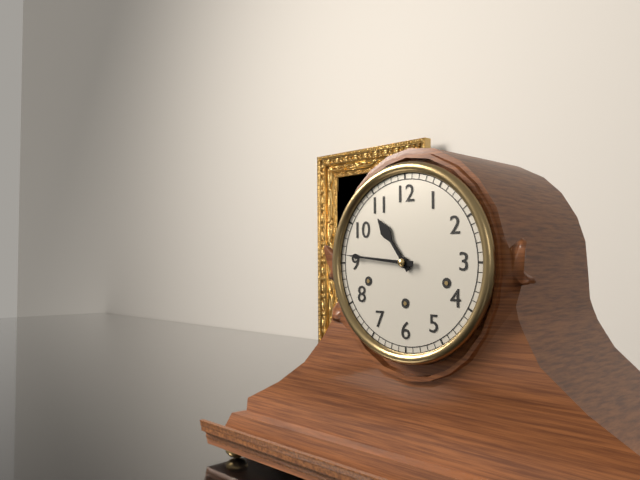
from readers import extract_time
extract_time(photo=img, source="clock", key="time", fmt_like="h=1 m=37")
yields h=10 m=46
